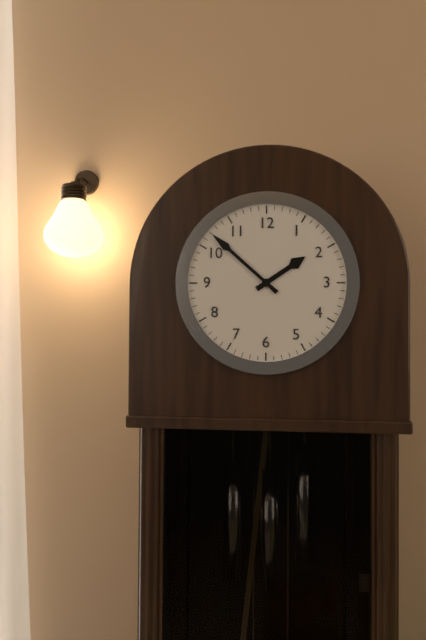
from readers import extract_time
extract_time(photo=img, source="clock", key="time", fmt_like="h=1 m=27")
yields h=1 m=52
